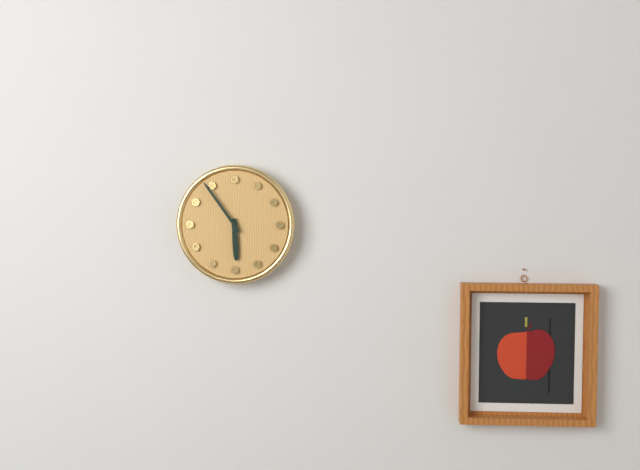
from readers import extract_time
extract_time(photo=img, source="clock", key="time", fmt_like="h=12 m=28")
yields h=5 m=54
